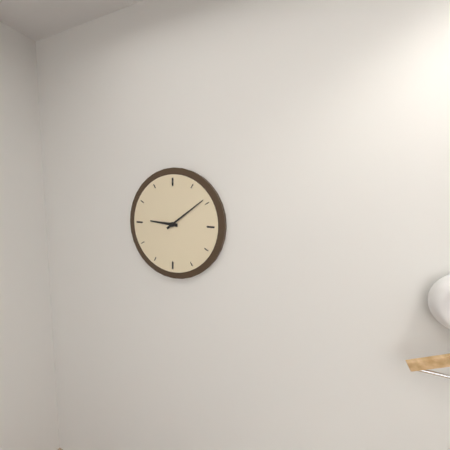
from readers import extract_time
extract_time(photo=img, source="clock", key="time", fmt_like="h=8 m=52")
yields h=9 m=9
